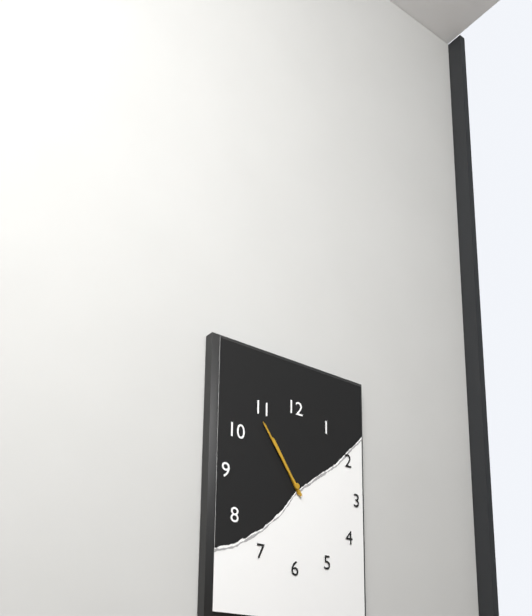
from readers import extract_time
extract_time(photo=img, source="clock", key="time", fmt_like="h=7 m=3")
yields h=10 m=54
